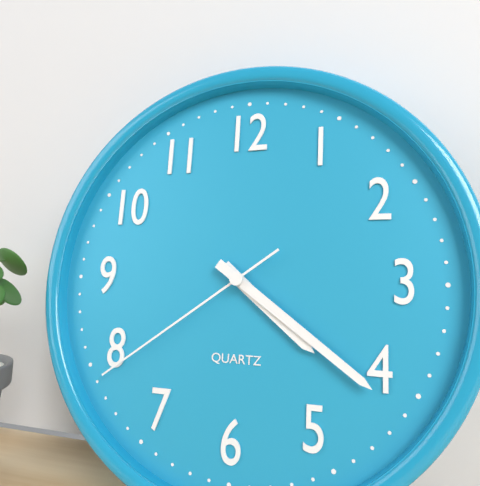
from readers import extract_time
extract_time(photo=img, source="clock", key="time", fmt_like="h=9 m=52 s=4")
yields h=4 m=21 s=39
